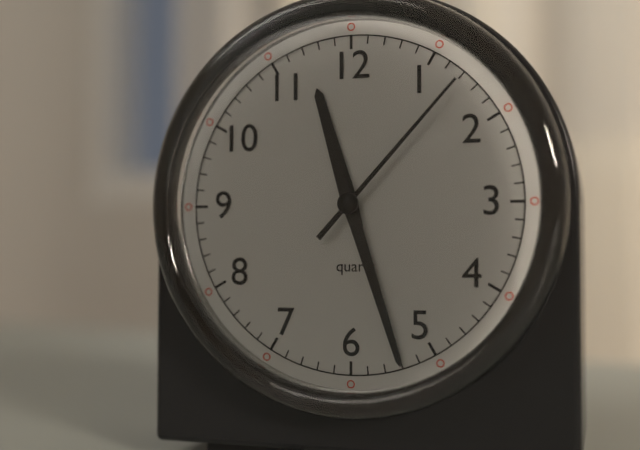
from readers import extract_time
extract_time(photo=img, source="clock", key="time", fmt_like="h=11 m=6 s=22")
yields h=11 m=27 s=7
